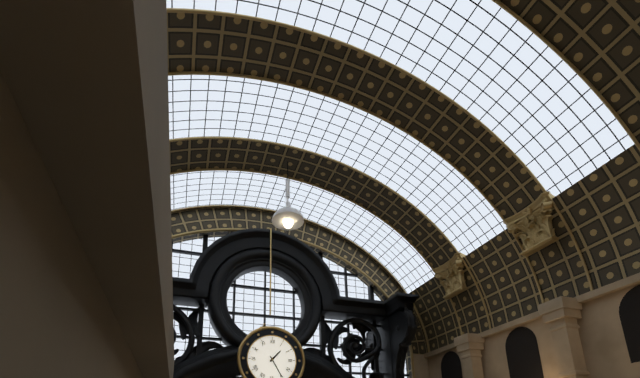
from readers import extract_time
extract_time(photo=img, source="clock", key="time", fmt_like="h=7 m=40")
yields h=1 m=25
